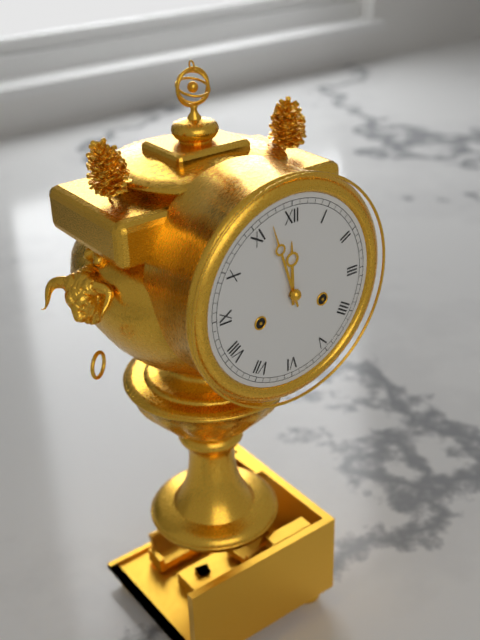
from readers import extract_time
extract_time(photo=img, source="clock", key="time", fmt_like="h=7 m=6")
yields h=11 m=57
